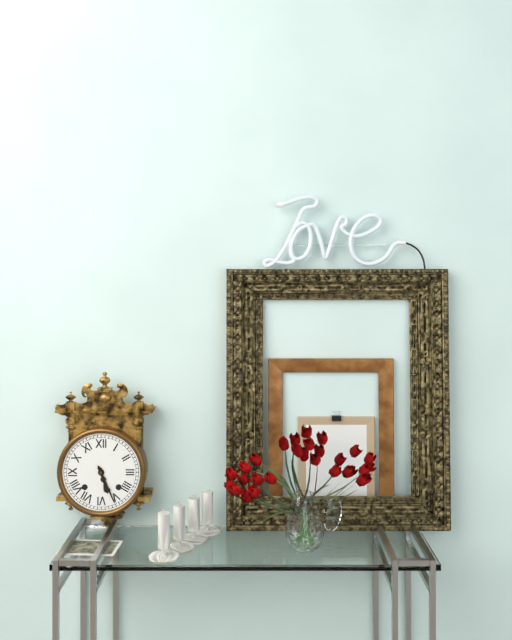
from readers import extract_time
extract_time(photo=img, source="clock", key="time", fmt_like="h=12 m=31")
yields h=5 m=26
